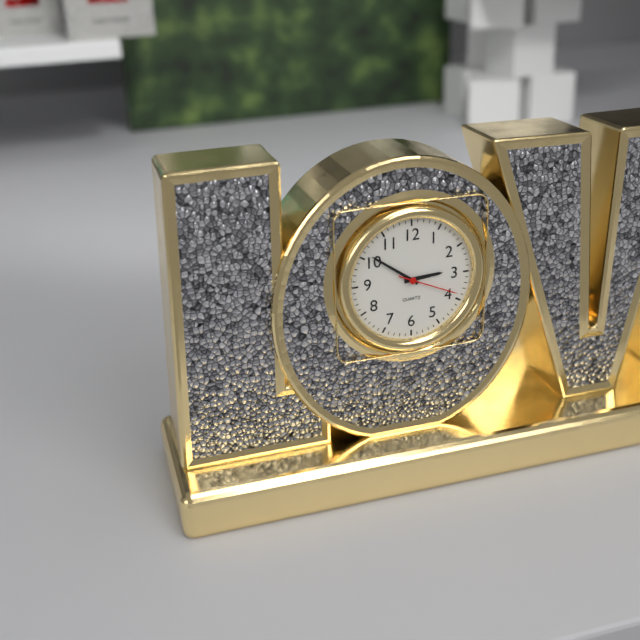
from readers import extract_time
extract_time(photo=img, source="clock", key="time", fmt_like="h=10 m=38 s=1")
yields h=2 m=51 s=19
